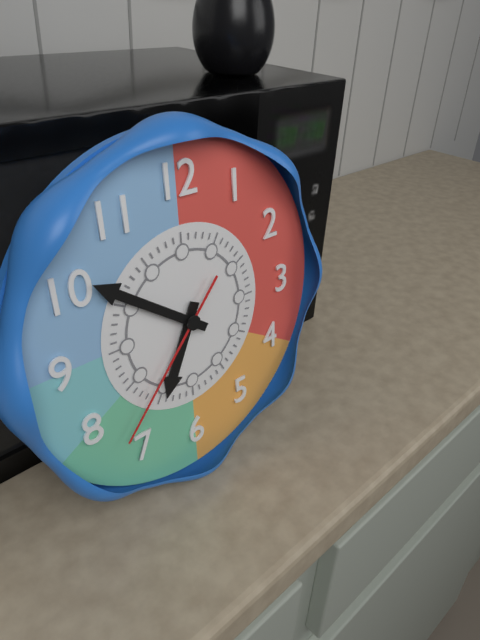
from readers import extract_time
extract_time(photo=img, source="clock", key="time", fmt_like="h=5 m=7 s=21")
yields h=6 m=51 s=37
